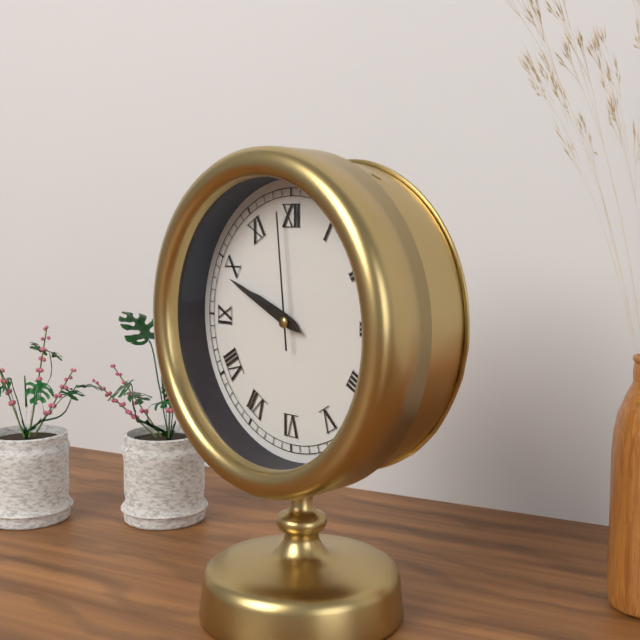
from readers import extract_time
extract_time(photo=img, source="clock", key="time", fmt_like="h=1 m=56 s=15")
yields h=9 m=49 s=59
